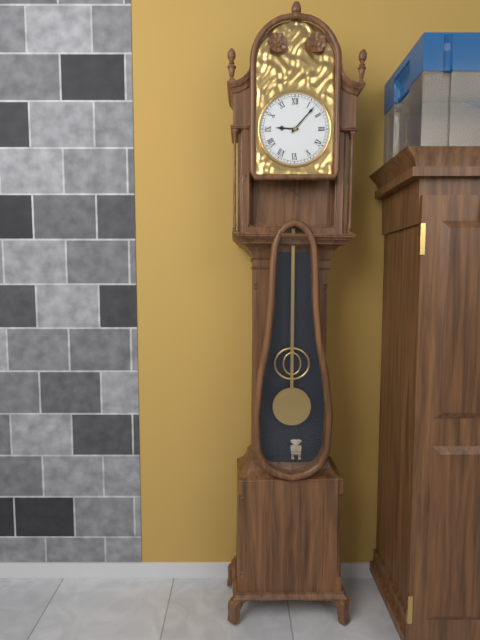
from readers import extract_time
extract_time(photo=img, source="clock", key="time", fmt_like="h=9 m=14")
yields h=9 m=7
